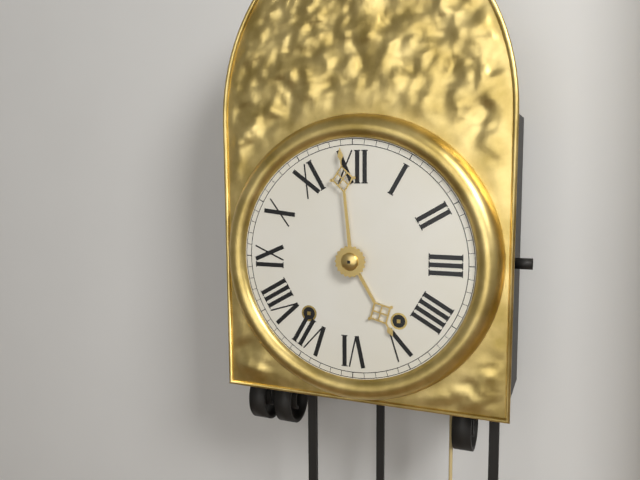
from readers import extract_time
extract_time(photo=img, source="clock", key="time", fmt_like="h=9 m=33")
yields h=4 m=59
